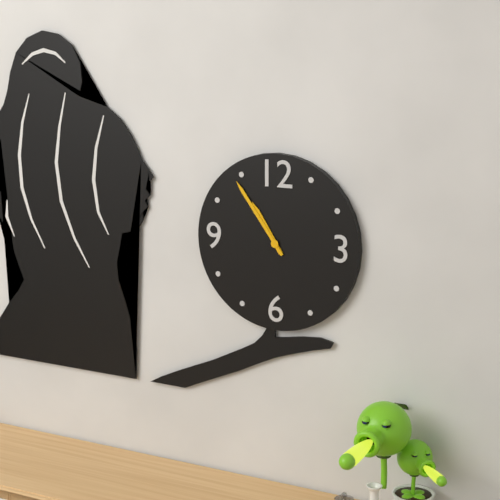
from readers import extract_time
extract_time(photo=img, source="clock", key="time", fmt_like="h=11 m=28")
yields h=10 m=54
